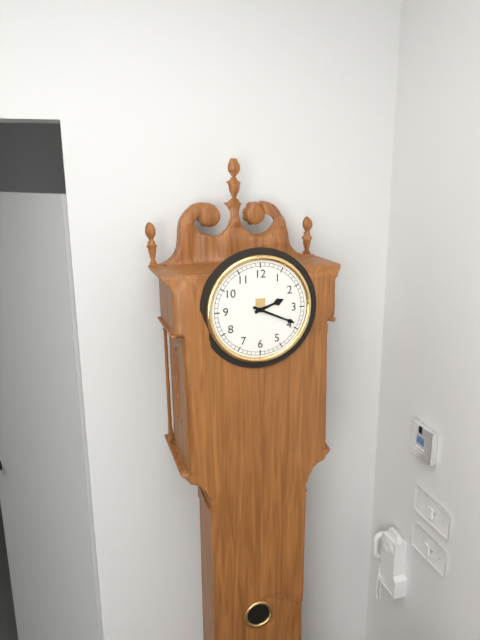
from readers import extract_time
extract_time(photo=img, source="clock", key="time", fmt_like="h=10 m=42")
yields h=2 m=19
